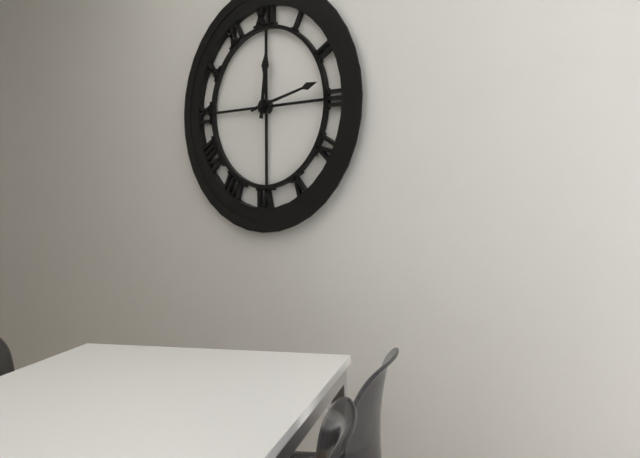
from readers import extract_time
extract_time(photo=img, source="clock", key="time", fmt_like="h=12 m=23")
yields h=12 m=13
